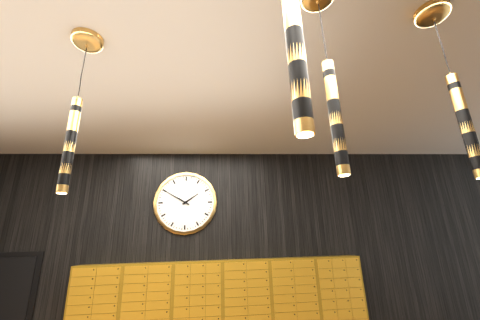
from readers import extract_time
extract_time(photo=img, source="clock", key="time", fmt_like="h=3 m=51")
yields h=1 m=50
